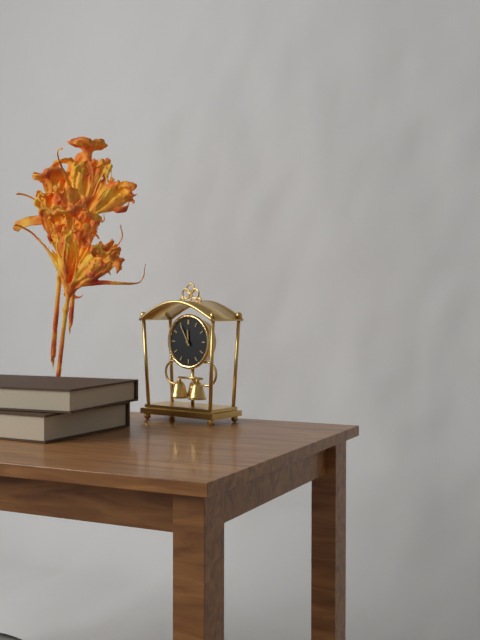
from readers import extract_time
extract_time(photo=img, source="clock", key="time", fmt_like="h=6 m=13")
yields h=11 m=55
